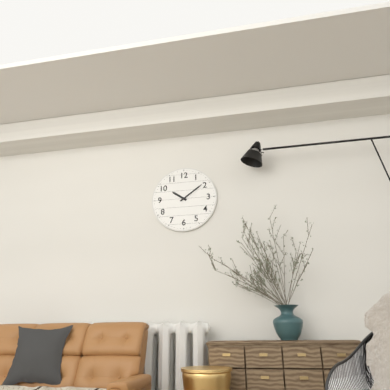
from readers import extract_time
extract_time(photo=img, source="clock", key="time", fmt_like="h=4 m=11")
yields h=10 m=9
